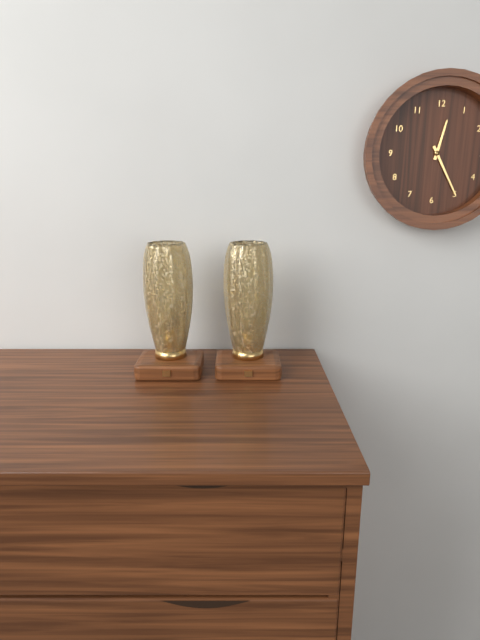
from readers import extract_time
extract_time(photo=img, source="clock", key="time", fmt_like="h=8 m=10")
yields h=12 m=25
